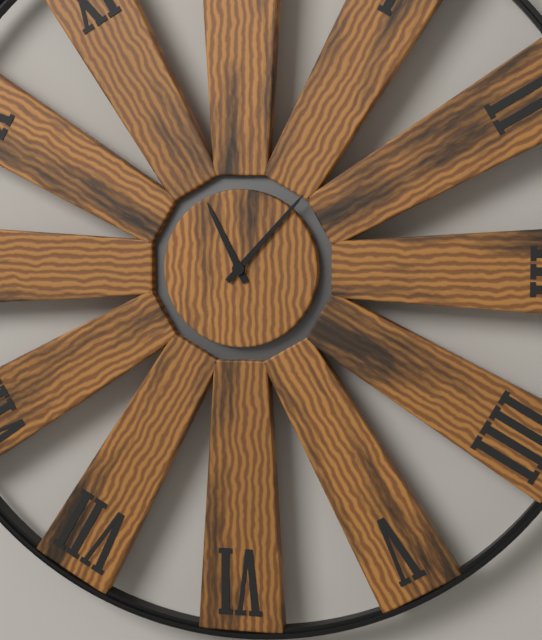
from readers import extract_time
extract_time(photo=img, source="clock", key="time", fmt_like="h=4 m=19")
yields h=11 m=7
